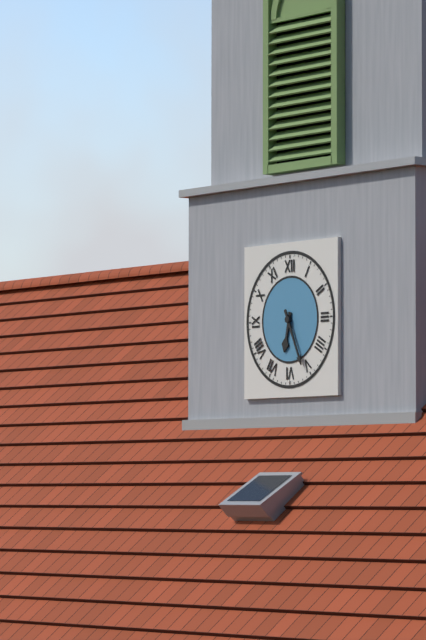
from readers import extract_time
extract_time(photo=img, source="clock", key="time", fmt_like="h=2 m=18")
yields h=6 m=26
